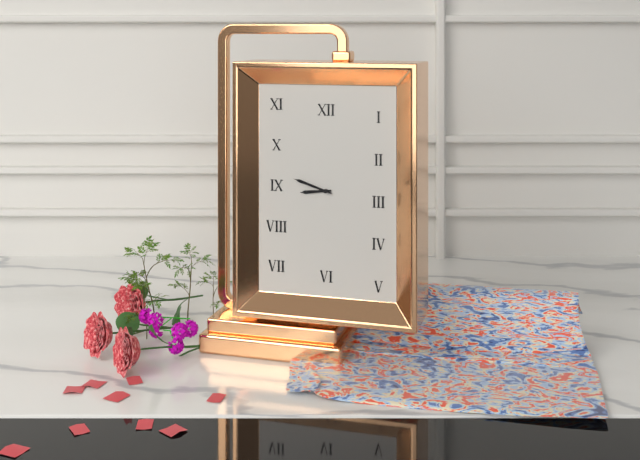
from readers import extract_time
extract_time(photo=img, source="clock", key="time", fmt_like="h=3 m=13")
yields h=8 m=48
